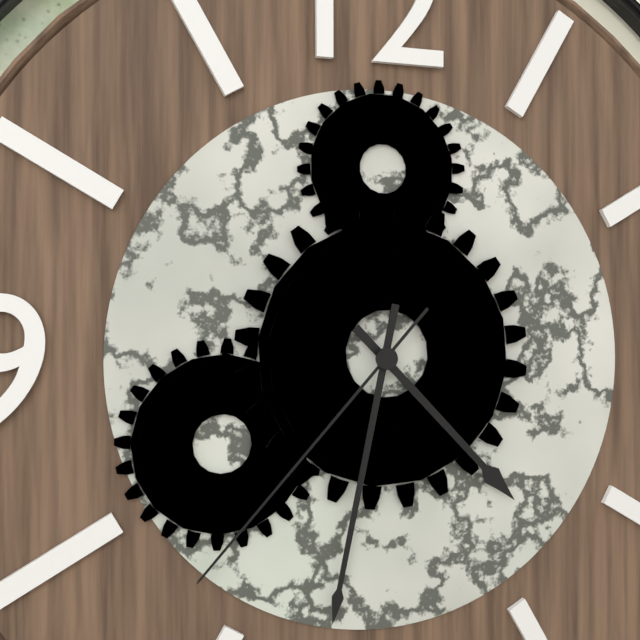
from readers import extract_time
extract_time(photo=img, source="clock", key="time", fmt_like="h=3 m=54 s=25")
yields h=4 m=32 s=37
